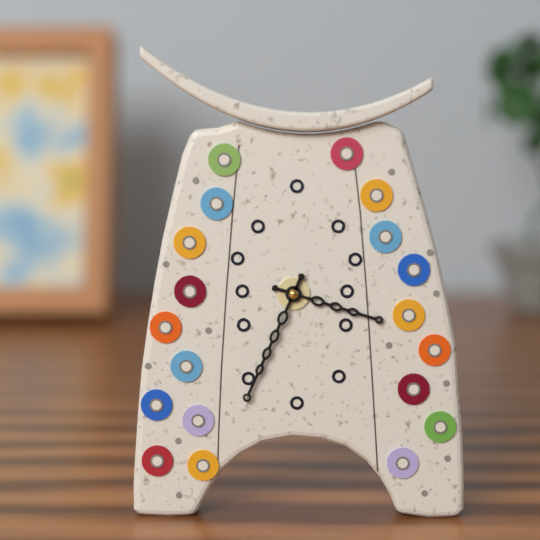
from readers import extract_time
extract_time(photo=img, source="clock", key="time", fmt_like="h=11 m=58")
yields h=3 m=34
